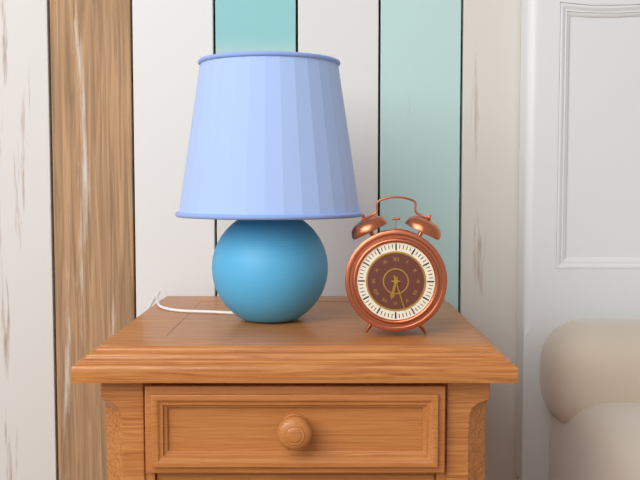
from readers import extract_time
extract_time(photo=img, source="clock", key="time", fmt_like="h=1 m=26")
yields h=6 m=27
